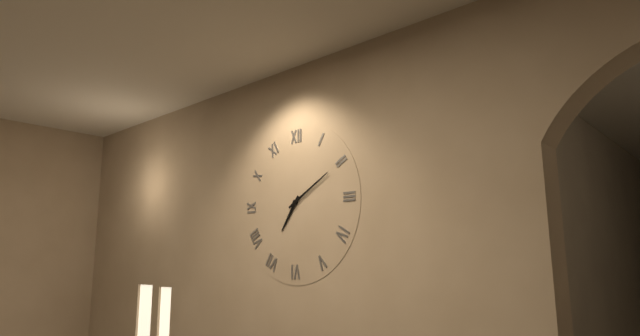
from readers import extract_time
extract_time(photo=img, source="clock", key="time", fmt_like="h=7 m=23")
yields h=7 m=10
